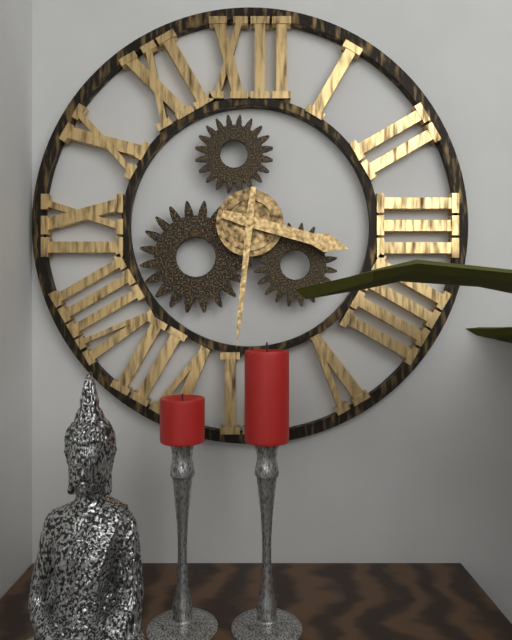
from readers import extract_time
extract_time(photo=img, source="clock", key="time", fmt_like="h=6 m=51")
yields h=3 m=31
